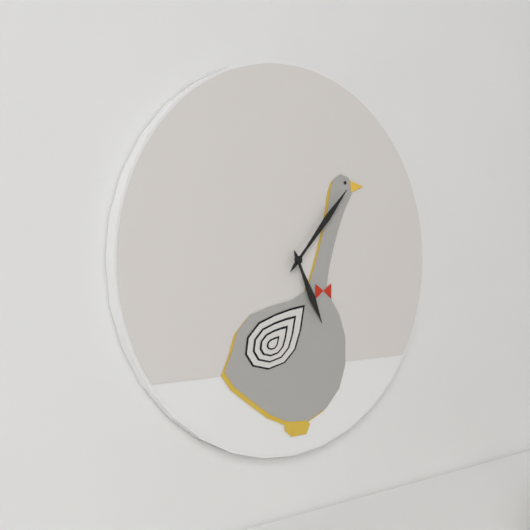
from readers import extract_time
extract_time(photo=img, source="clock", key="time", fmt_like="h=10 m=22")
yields h=5 m=7
